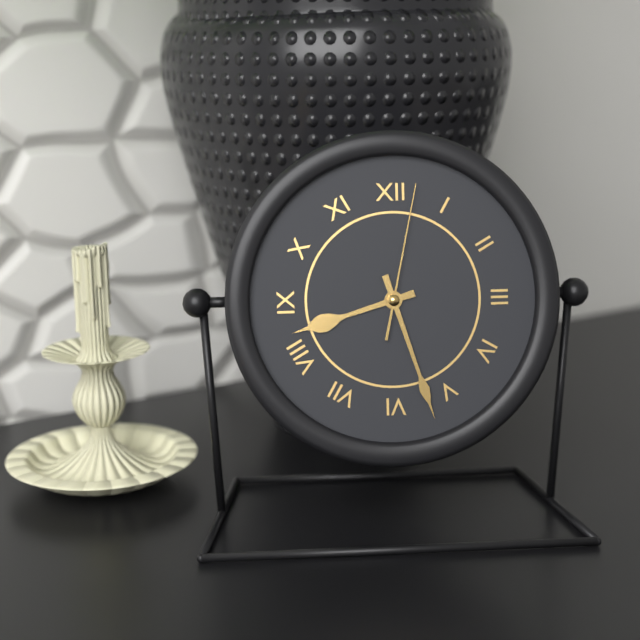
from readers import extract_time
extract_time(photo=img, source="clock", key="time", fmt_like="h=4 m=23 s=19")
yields h=8 m=27 s=2
